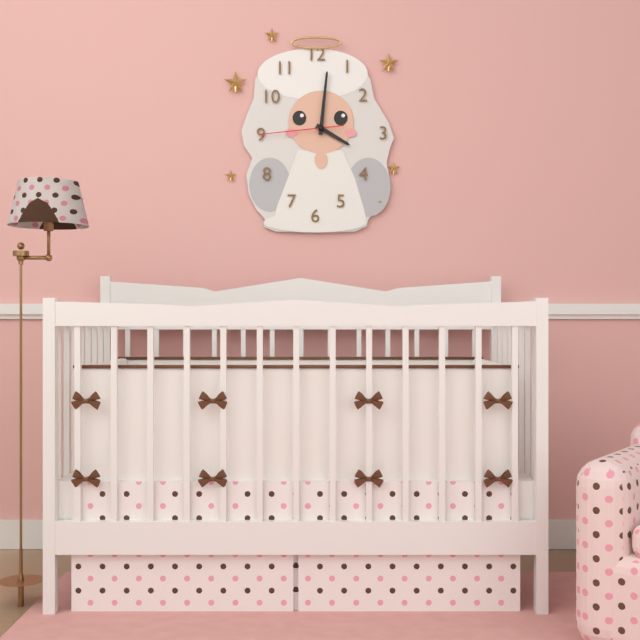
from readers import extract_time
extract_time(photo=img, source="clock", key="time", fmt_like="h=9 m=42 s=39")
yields h=4 m=1 s=44
